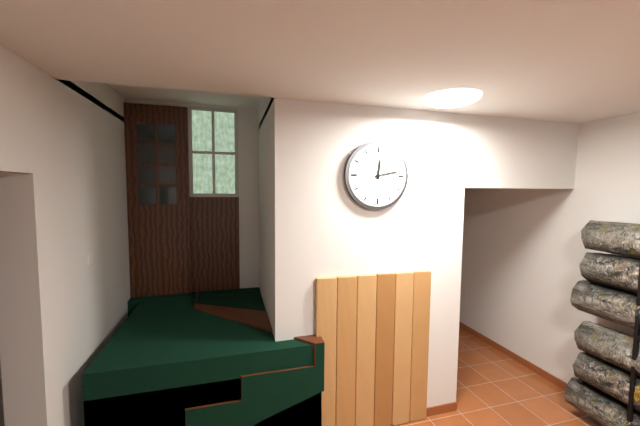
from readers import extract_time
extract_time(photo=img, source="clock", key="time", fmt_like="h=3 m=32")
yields h=12 m=13
